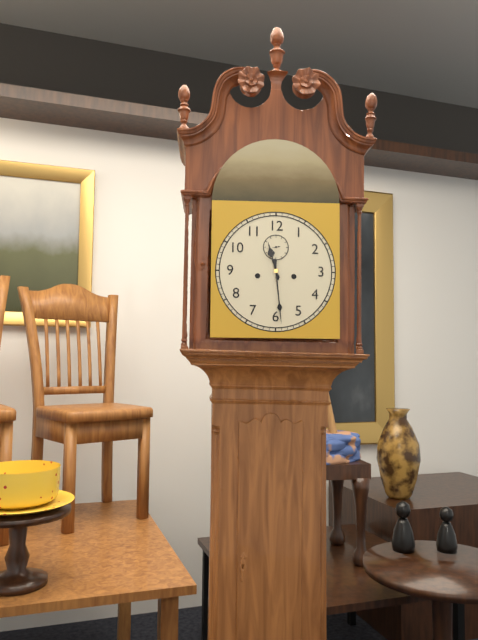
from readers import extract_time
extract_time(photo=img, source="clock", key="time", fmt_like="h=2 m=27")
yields h=11 m=29
